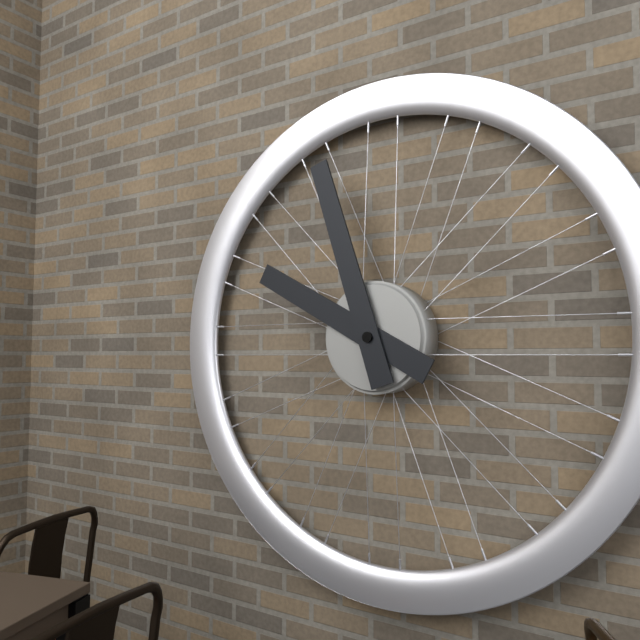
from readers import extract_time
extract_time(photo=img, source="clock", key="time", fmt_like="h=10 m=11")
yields h=9 m=57
